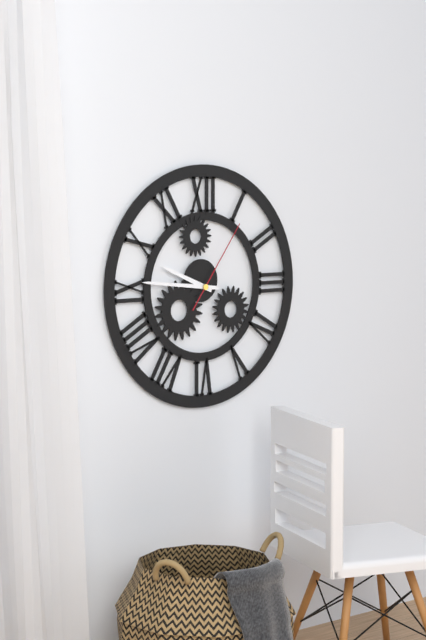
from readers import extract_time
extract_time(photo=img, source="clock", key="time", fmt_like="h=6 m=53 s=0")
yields h=9 m=46 s=6
